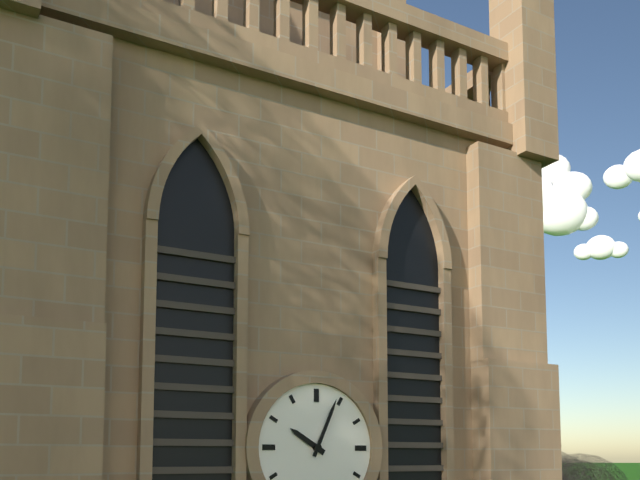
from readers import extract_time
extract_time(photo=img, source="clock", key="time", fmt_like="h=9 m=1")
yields h=10 m=4
